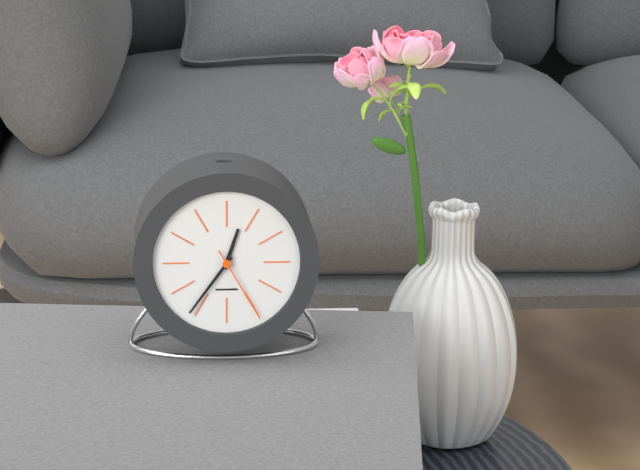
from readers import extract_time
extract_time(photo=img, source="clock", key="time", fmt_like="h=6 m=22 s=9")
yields h=12 m=36 s=25
